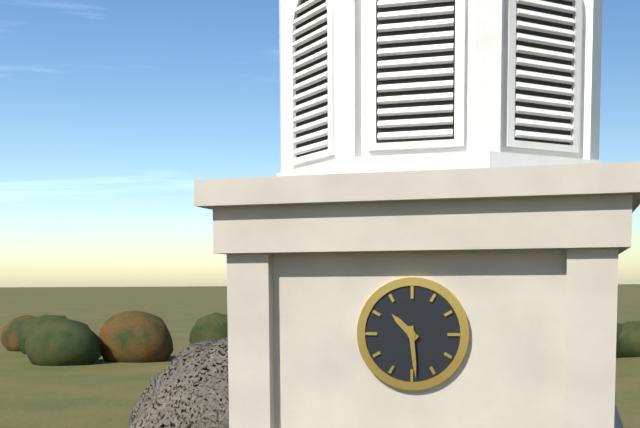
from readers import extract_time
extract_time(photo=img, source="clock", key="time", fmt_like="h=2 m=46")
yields h=10 m=29
